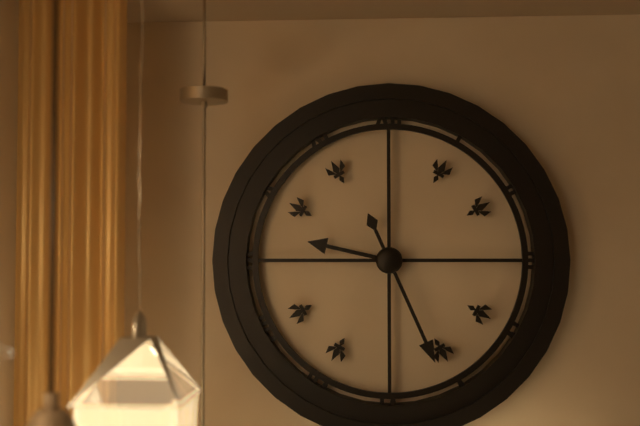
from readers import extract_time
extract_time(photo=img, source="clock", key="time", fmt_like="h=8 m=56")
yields h=9 m=26
